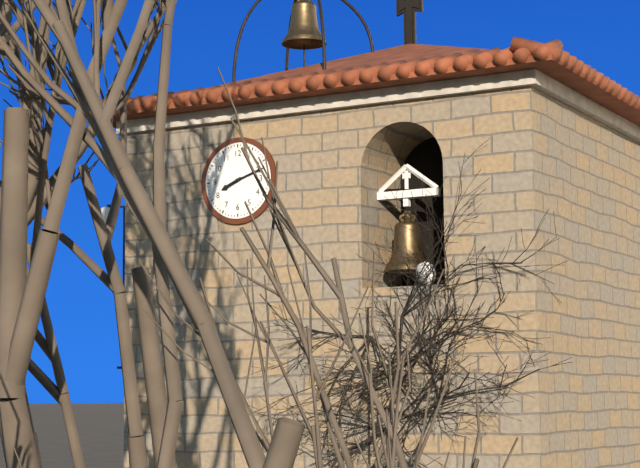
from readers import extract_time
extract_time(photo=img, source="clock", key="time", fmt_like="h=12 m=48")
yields h=8 m=12
